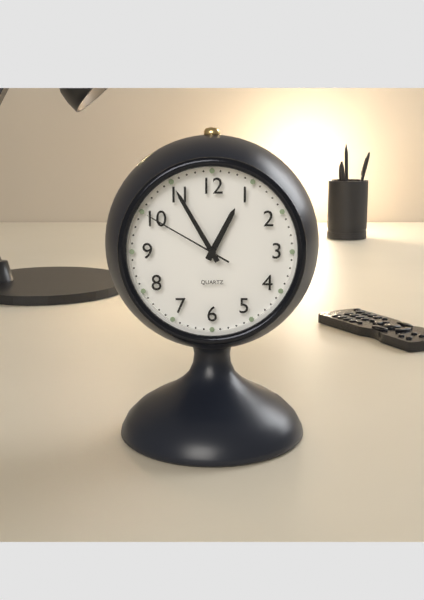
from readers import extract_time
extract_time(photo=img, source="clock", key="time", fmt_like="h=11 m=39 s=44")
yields h=12 m=55 s=50
